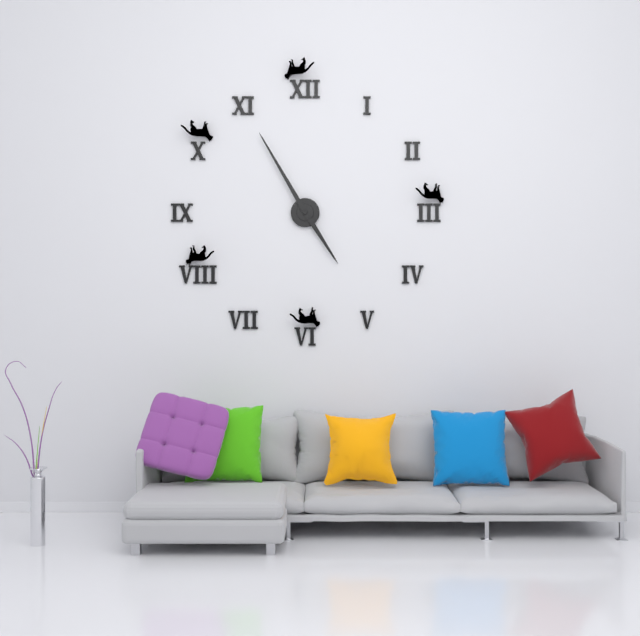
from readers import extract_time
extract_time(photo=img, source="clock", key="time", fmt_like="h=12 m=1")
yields h=4 m=55
